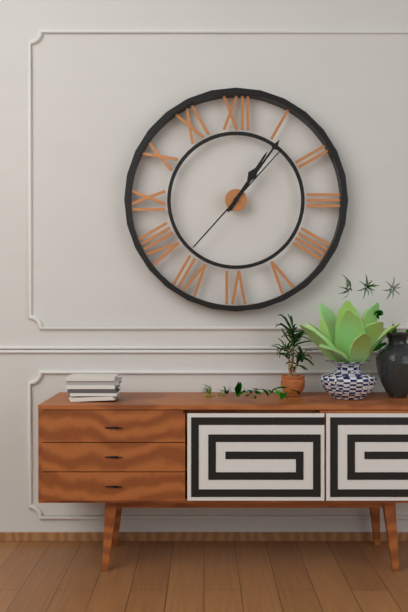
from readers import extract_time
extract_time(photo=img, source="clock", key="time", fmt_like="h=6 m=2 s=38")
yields h=1 m=6 s=7
